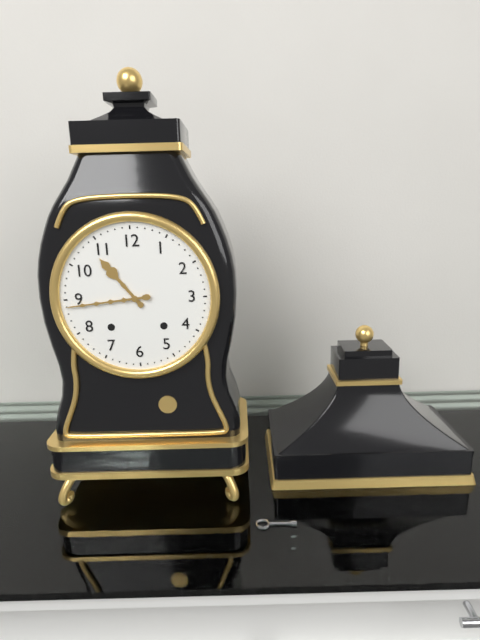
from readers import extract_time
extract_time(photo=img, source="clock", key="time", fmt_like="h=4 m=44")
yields h=10 m=44
